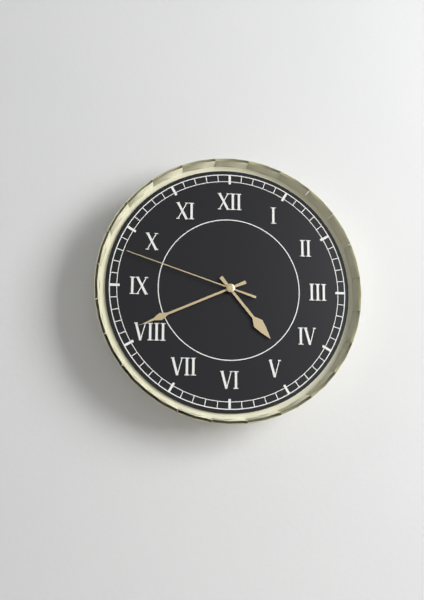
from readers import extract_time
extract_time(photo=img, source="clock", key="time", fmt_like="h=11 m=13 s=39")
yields h=4 m=41 s=48
